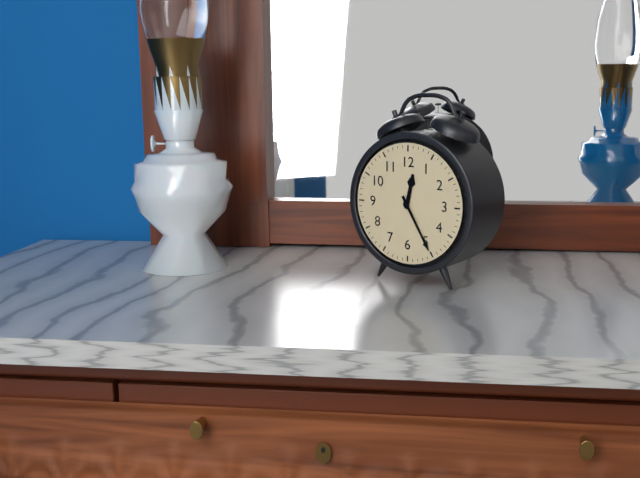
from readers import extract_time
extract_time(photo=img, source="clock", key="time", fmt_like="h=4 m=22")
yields h=12 m=25
